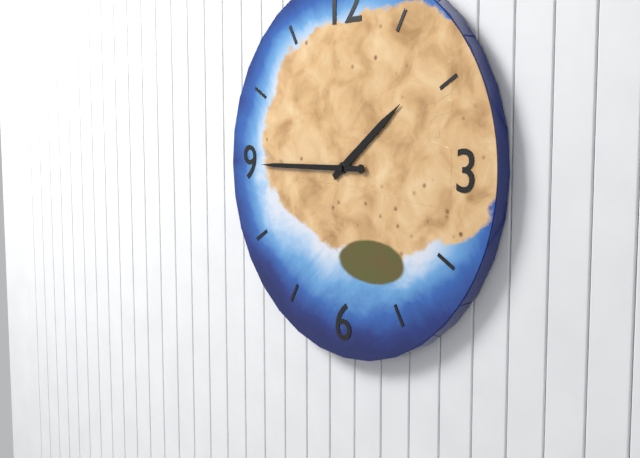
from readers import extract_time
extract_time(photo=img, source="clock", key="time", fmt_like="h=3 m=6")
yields h=1 m=45
